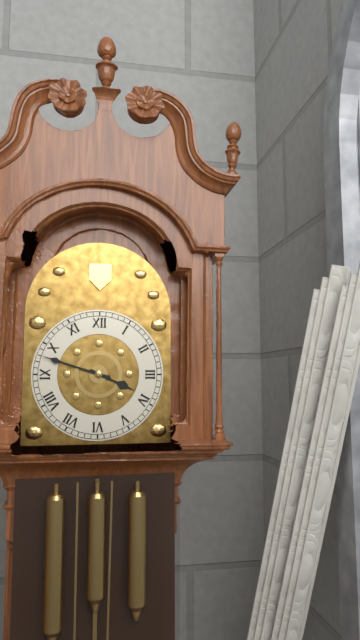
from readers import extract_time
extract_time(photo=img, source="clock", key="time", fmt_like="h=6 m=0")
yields h=3 m=48
